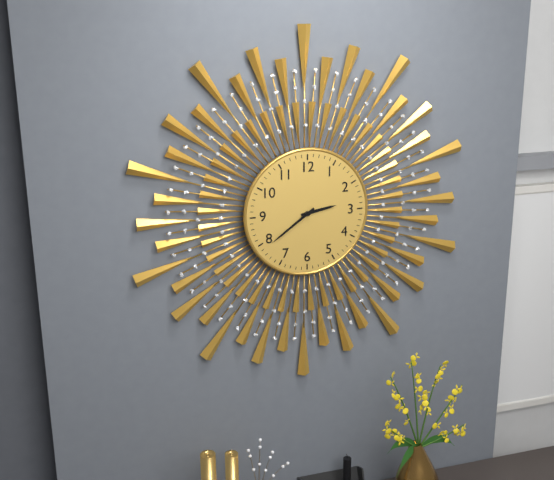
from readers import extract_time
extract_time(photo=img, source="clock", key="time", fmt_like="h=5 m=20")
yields h=2 m=39
